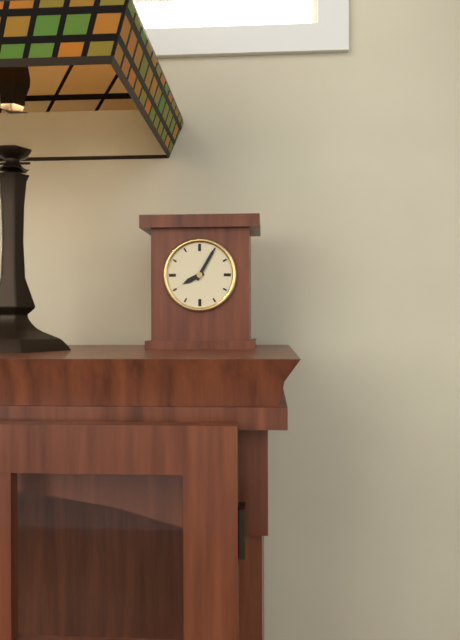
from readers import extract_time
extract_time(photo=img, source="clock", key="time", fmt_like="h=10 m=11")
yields h=8 m=5
